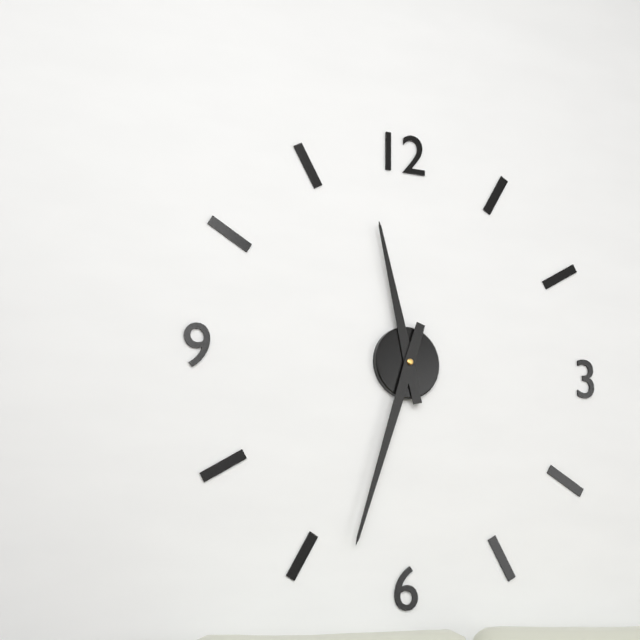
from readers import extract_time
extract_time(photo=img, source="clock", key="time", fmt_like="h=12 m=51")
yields h=11 m=33
